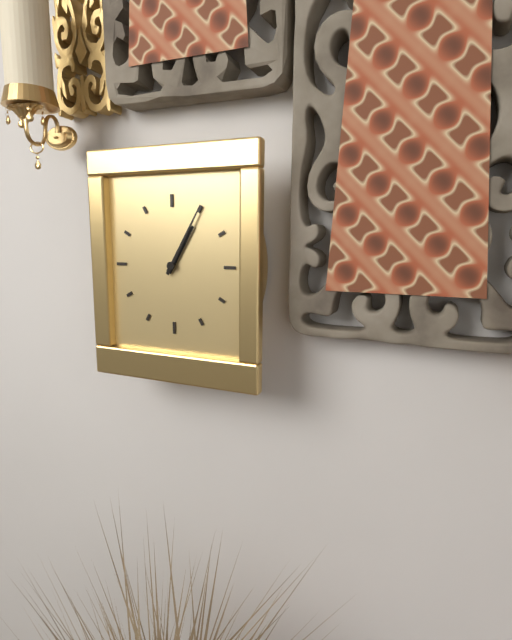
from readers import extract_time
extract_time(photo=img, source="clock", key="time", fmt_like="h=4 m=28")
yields h=1 m=5
